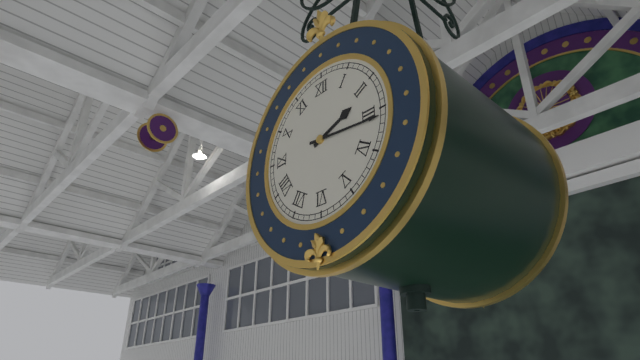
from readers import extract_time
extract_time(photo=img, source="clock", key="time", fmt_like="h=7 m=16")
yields h=2 m=16
